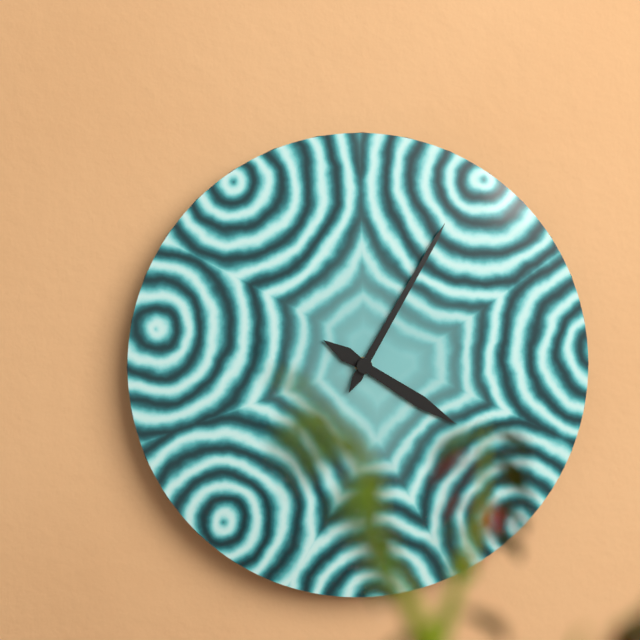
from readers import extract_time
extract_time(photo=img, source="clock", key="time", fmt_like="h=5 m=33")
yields h=4 m=5
